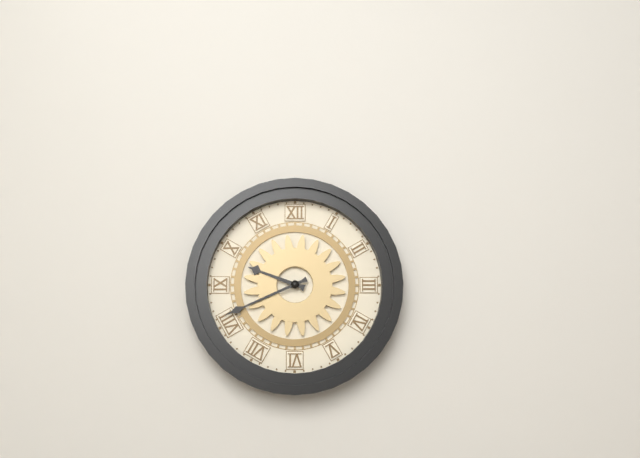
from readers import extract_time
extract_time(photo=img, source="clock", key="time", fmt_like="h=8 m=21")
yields h=9 m=41
